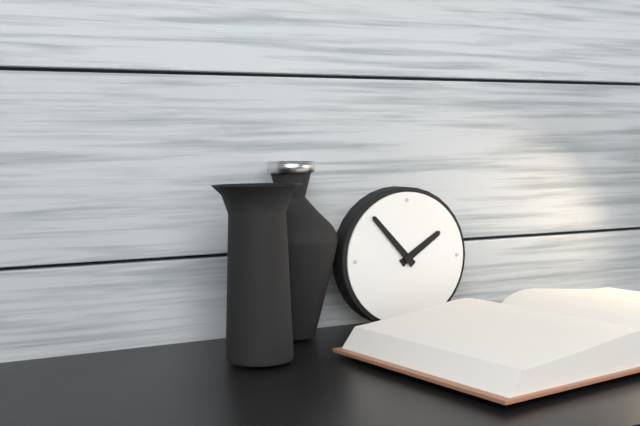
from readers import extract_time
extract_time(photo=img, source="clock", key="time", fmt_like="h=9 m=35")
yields h=1 m=53
